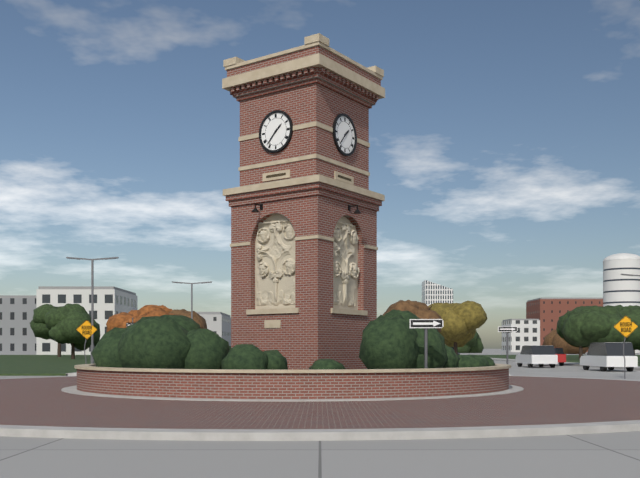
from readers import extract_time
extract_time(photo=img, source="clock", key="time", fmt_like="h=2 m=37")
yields h=1 m=37
